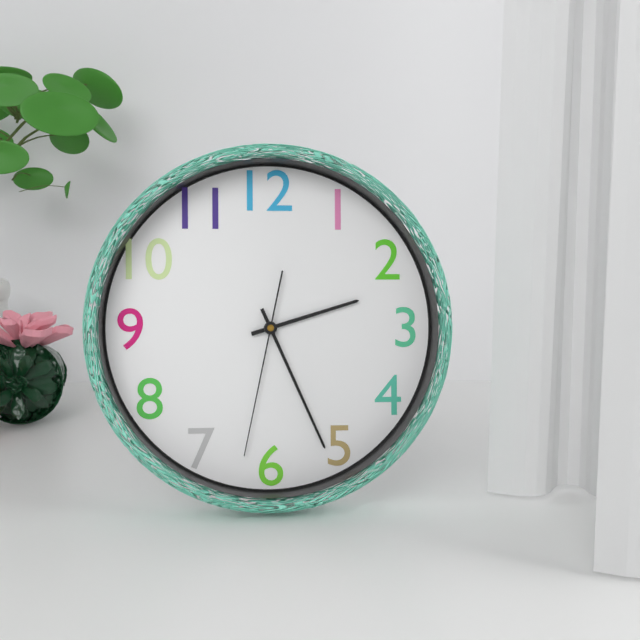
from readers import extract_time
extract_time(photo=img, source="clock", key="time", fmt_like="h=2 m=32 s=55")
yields h=2 m=26 s=32
